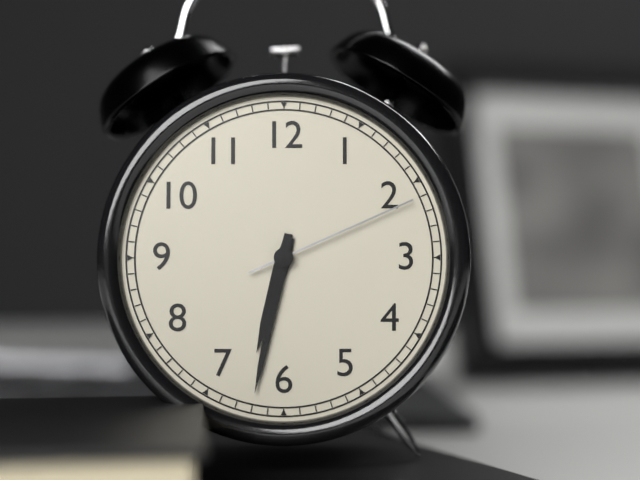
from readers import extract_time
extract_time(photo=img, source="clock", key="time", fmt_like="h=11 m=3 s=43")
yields h=6 m=32 s=11
